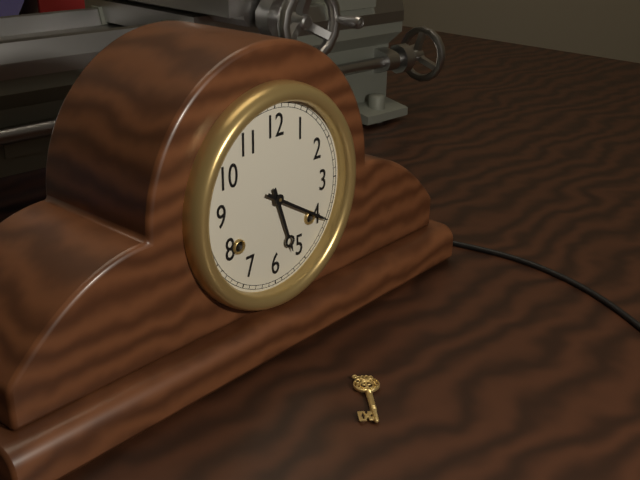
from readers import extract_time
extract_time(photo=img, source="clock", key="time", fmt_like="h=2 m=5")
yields h=5 m=20
